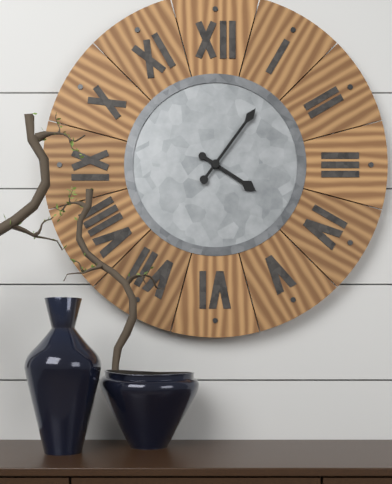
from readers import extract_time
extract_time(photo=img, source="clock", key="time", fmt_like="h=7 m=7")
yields h=4 m=6
